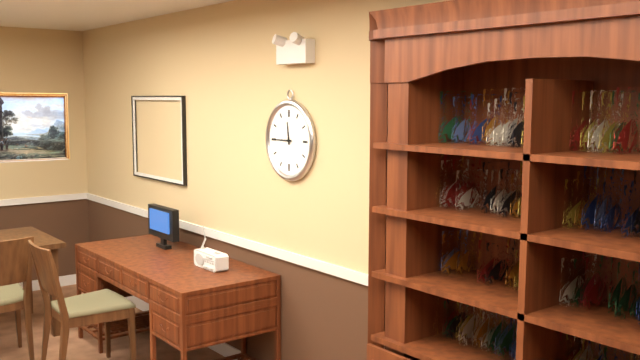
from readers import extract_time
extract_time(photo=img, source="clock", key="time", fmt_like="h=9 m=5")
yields h=11 m=45
